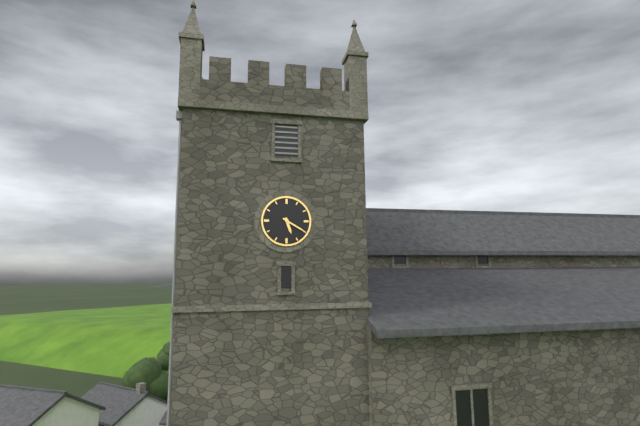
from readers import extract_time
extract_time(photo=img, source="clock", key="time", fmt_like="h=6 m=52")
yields h=5 m=20
